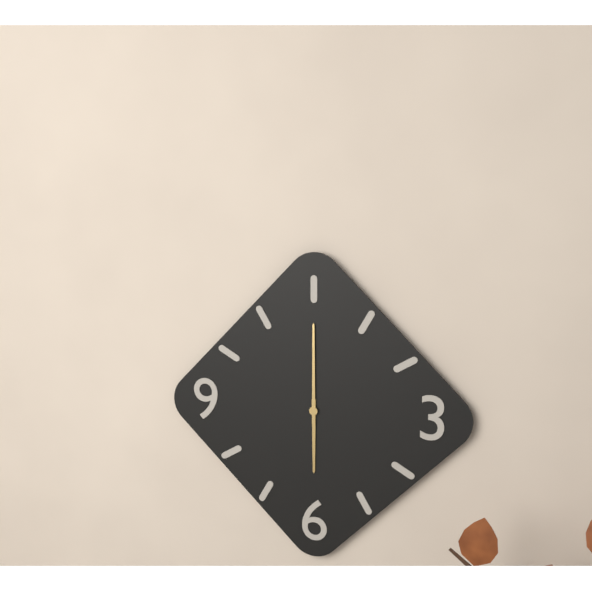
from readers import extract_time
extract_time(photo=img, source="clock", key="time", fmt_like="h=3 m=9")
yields h=6 m=0
